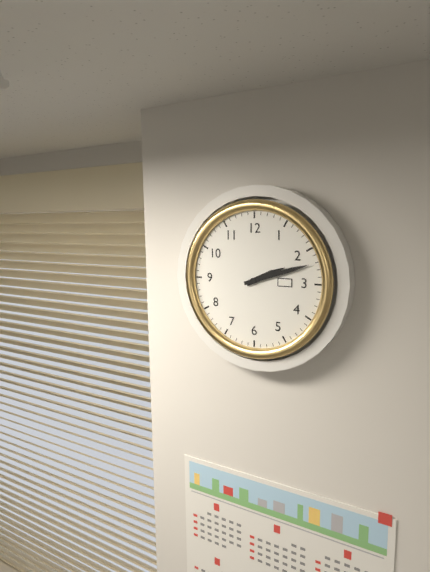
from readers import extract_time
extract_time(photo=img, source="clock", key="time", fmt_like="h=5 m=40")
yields h=2 m=12
